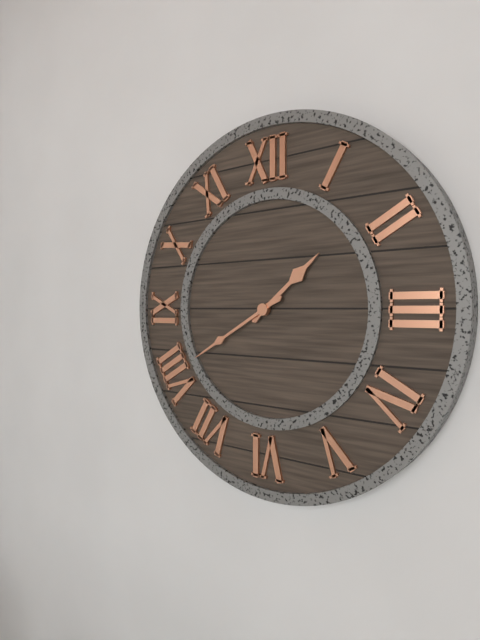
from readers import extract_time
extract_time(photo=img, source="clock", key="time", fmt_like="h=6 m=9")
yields h=1 m=40
